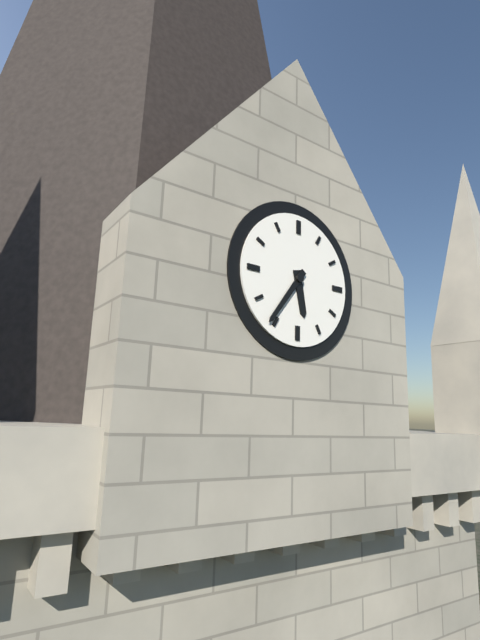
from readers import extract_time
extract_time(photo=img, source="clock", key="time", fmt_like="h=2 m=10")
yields h=5 m=36
